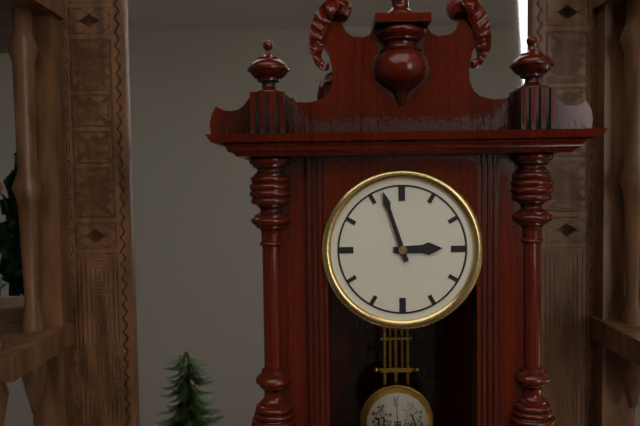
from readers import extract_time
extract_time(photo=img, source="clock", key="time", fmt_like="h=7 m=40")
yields h=2 m=57
